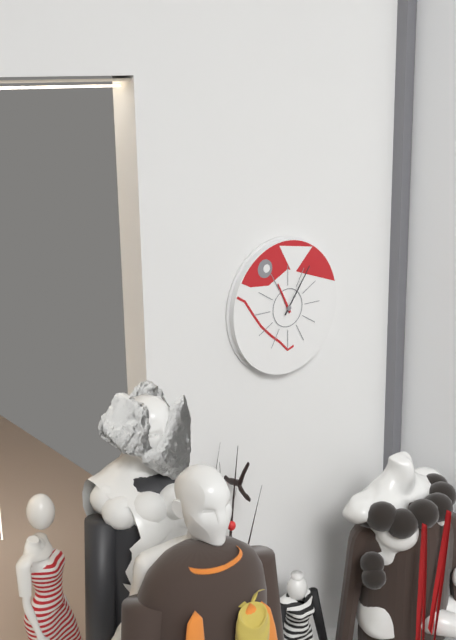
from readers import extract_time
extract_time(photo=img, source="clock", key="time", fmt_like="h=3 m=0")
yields h=11 m=6
